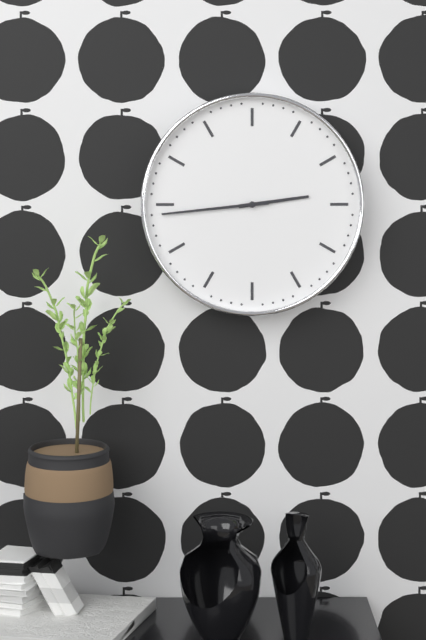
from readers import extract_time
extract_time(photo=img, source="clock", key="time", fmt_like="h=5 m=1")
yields h=2 m=44
